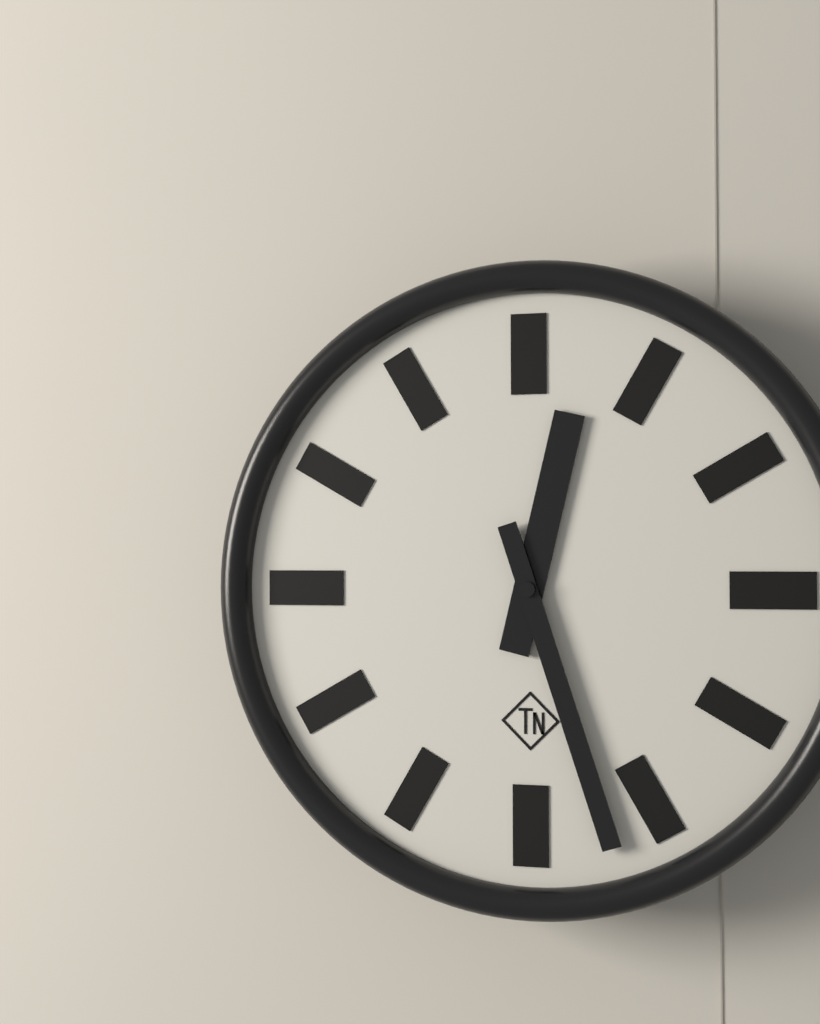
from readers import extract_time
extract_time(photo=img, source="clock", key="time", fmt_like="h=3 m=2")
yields h=12 m=27
